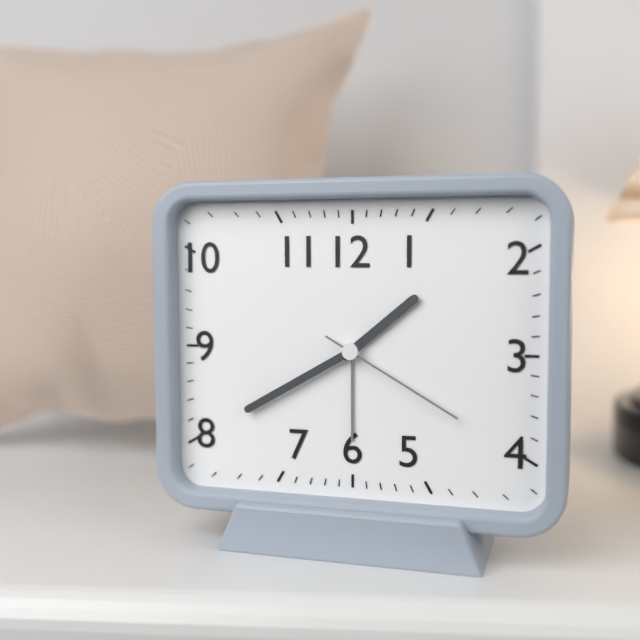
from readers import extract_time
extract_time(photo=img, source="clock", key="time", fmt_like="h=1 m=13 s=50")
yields h=1 m=40 s=20
